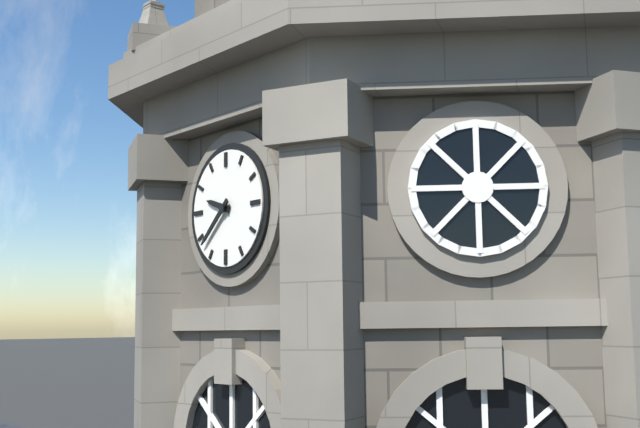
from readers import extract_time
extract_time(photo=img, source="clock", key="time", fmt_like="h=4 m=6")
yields h=9 m=38
